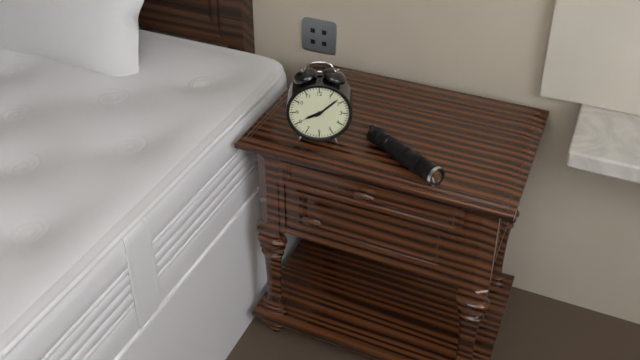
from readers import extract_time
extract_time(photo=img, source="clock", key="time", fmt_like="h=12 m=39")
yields h=8 m=8
